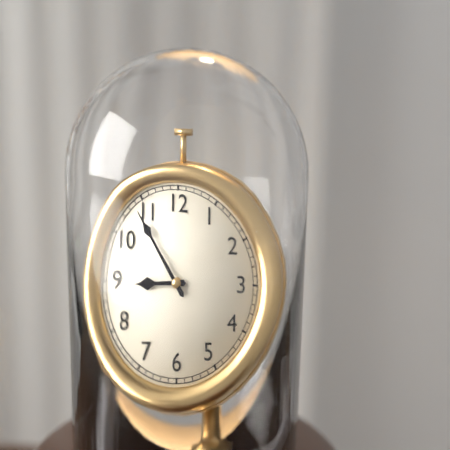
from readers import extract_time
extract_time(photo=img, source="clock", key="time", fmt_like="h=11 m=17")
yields h=8 m=54
